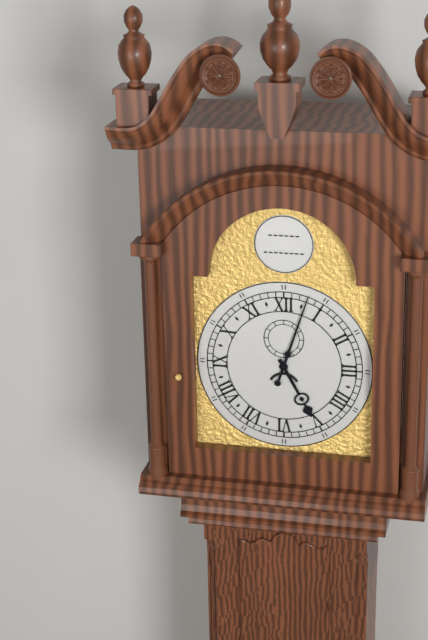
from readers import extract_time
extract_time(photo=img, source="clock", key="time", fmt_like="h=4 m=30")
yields h=5 m=3
